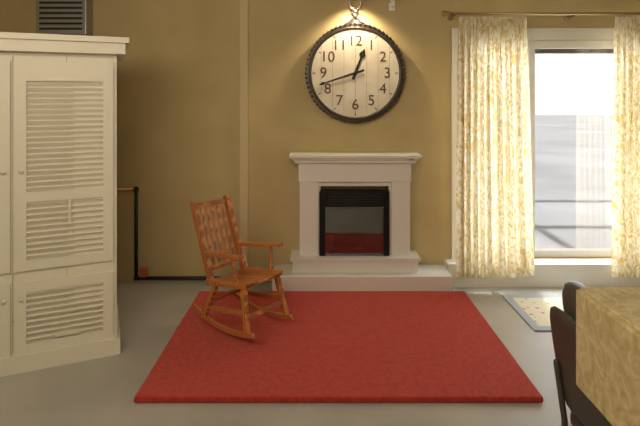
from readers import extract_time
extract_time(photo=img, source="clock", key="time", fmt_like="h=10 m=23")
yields h=12 m=42
